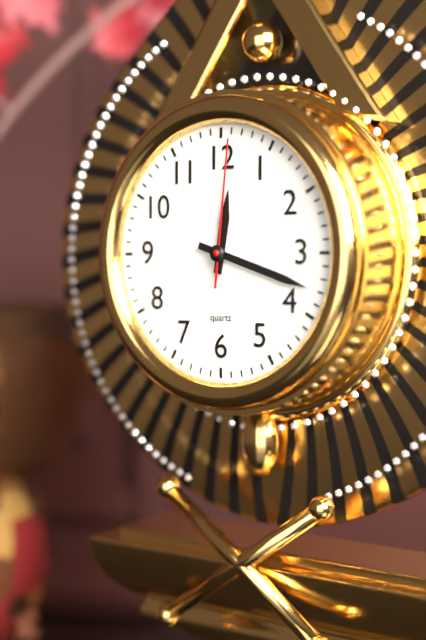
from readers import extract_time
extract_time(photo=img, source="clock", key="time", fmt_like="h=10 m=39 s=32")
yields h=12 m=18 s=1
